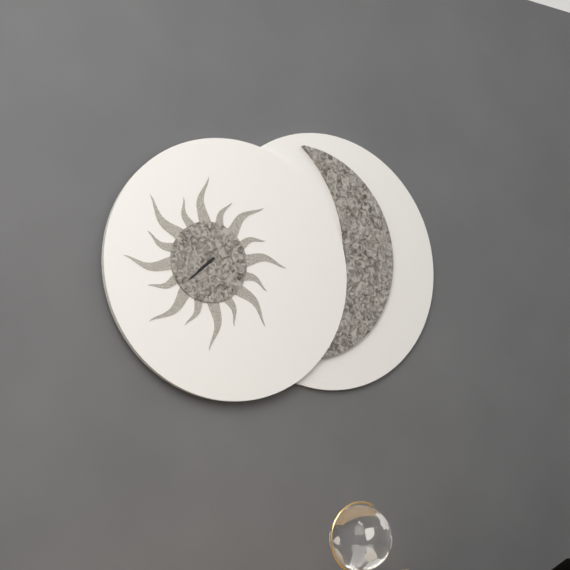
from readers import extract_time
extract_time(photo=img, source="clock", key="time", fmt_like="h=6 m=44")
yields h=7 m=38
